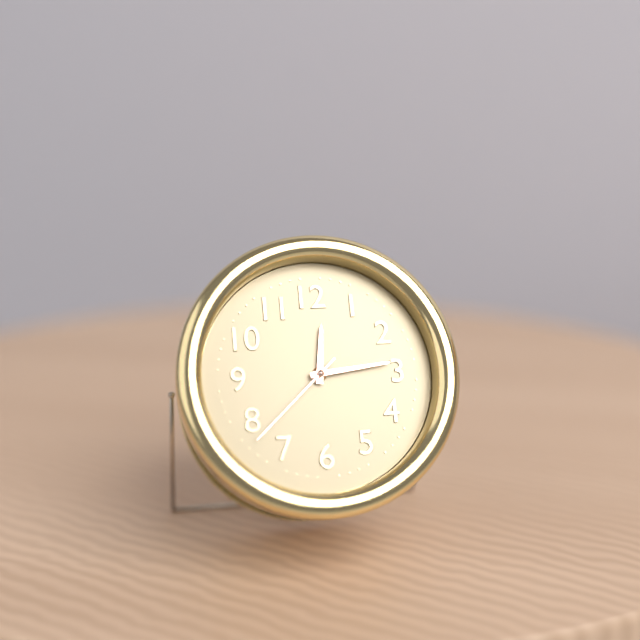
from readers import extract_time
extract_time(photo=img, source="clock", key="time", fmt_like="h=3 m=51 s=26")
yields h=12 m=14 s=38
